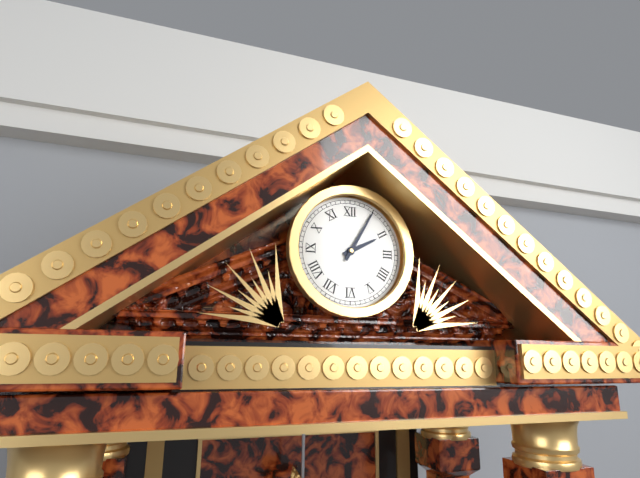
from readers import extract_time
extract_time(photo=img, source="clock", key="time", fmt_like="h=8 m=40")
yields h=2 m=5
